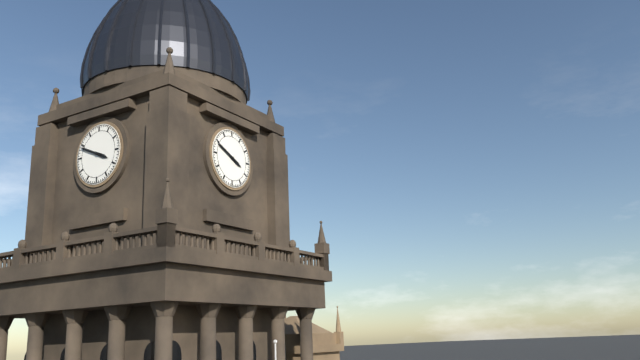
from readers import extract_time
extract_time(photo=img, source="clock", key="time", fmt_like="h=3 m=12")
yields h=3 m=49
